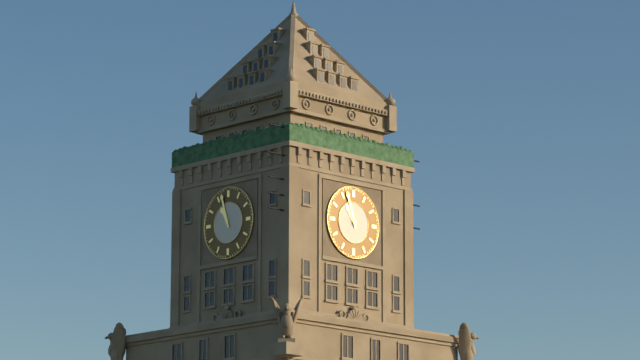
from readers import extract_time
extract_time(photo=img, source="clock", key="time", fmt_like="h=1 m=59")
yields h=10 m=57
